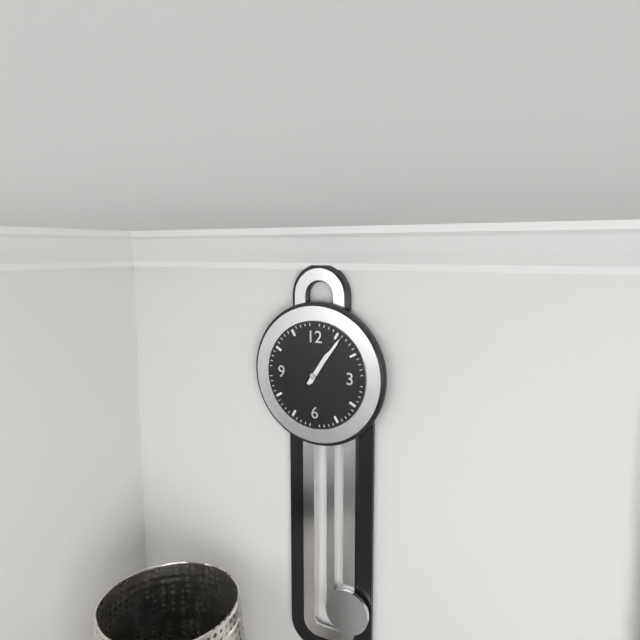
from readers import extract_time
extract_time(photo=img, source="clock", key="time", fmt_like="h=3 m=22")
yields h=1 m=6
